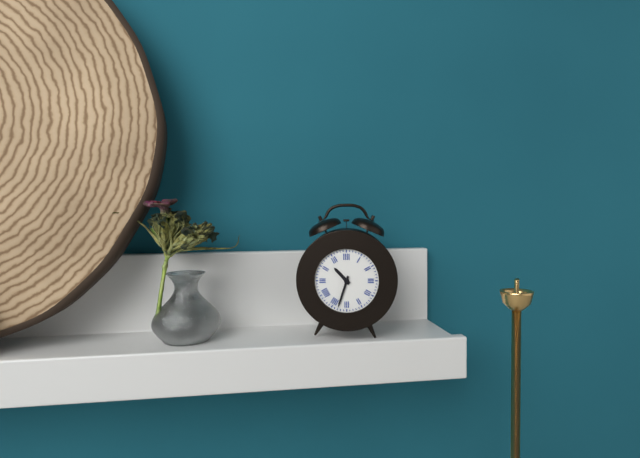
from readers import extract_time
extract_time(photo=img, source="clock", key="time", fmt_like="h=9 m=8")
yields h=10 m=33
